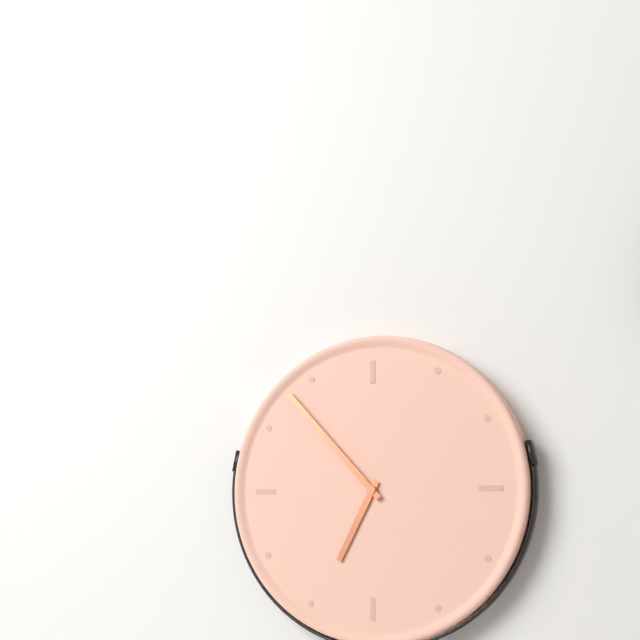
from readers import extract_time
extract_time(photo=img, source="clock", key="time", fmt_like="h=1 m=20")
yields h=6 m=53
